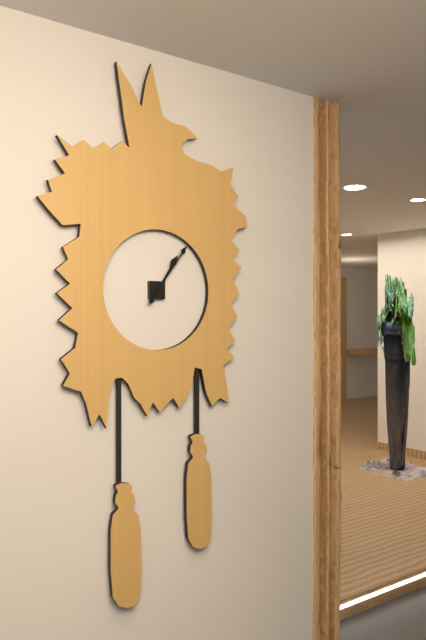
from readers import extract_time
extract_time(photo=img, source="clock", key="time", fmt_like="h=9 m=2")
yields h=1 m=6
